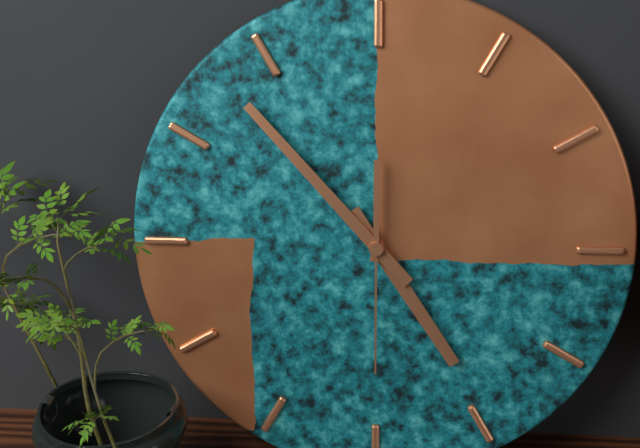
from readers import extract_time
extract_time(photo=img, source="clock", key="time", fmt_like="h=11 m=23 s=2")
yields h=4 m=53 s=30
